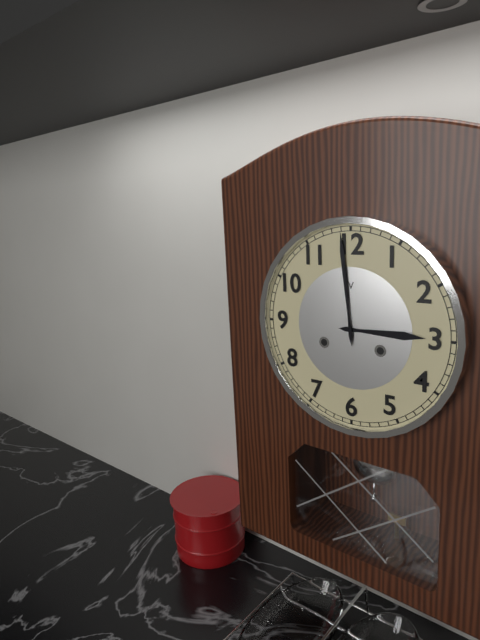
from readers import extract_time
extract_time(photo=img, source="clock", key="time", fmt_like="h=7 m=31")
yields h=2 m=59
